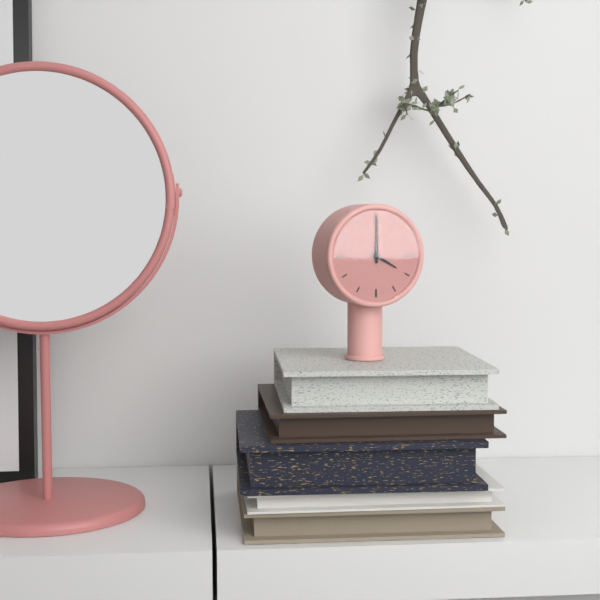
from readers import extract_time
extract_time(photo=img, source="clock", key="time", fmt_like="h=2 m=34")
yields h=4 m=0
